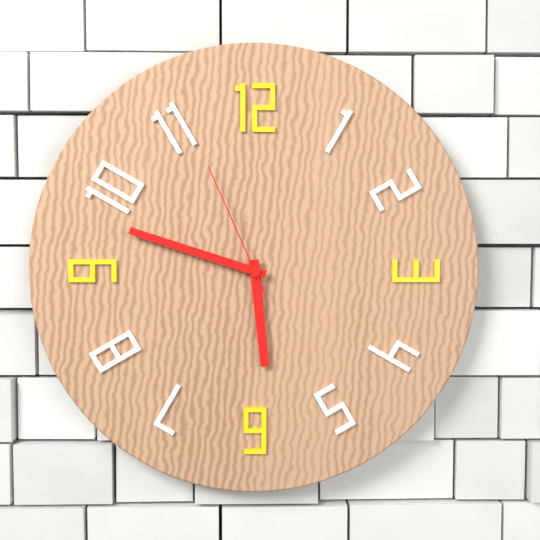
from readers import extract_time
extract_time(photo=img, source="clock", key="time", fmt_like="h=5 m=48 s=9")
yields h=5 m=48 s=56
